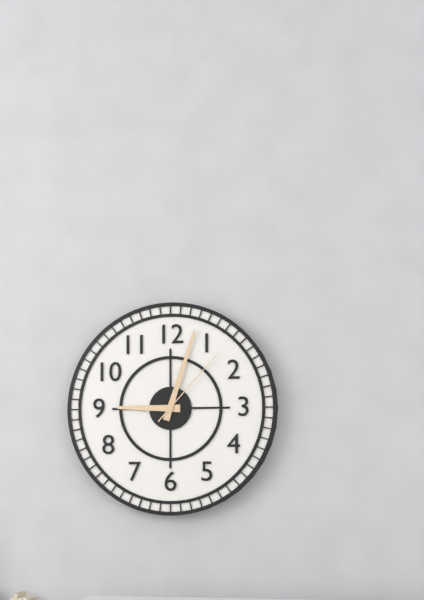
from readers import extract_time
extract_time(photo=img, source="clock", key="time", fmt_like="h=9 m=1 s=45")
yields h=9 m=3 s=7
